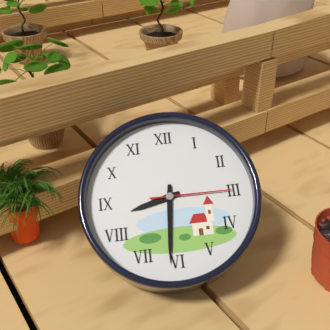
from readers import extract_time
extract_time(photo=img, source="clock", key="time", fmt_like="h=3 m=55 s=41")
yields h=8 m=31 s=15
